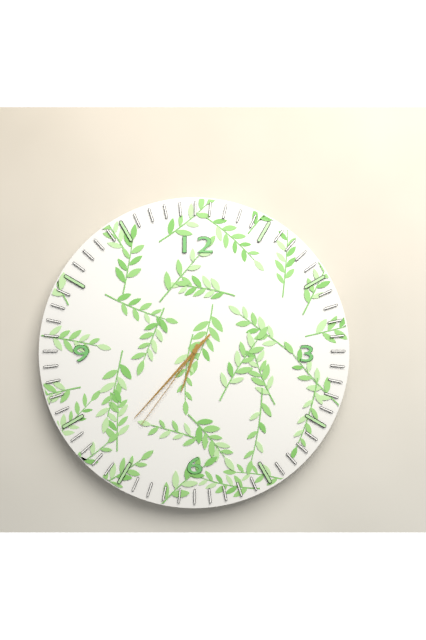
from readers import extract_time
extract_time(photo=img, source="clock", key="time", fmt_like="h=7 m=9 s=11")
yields h=6 m=37 s=36
